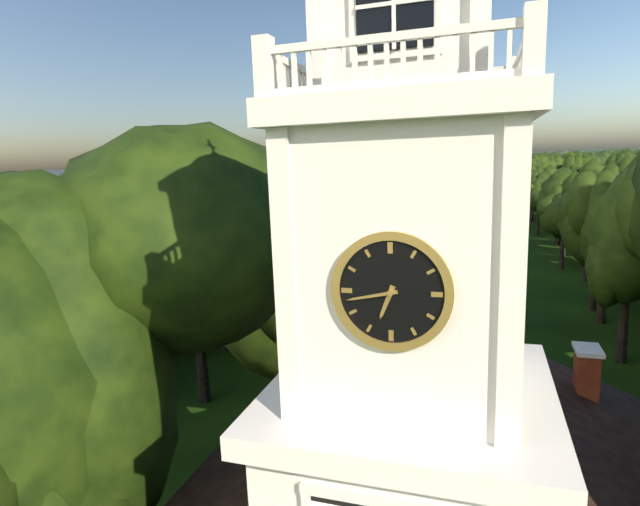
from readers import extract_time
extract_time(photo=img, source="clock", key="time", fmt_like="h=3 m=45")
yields h=6 m=43
